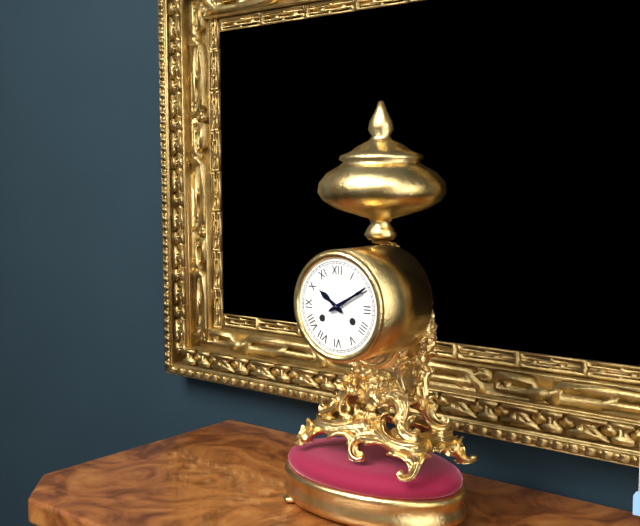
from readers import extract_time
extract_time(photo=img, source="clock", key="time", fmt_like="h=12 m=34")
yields h=10 m=10
